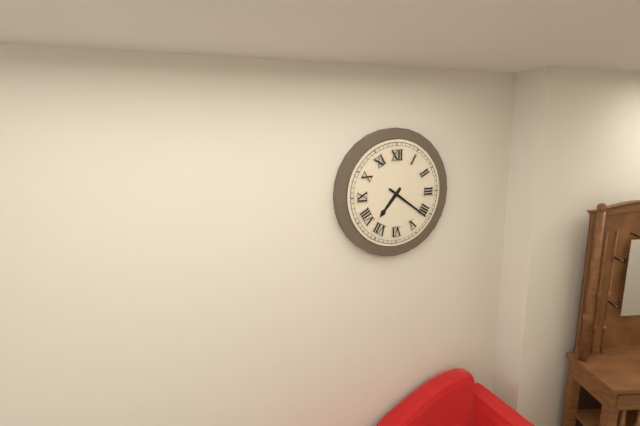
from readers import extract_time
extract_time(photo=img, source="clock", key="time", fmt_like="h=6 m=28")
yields h=7 m=21
